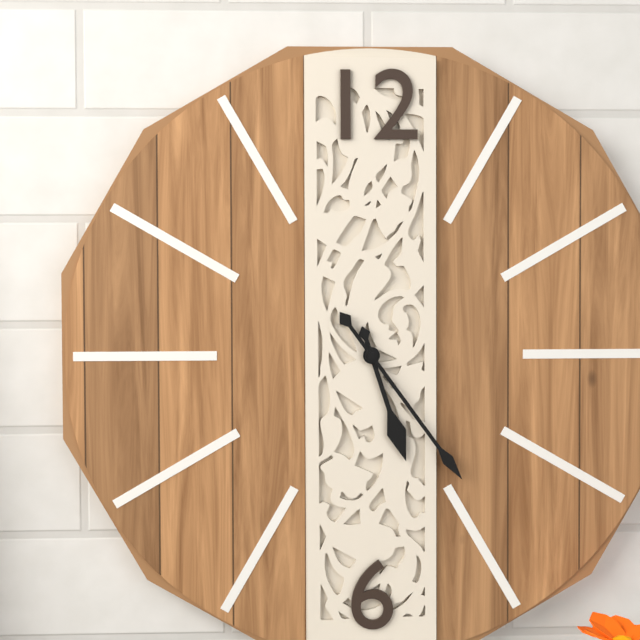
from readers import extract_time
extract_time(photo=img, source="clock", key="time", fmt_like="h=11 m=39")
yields h=5 m=24
